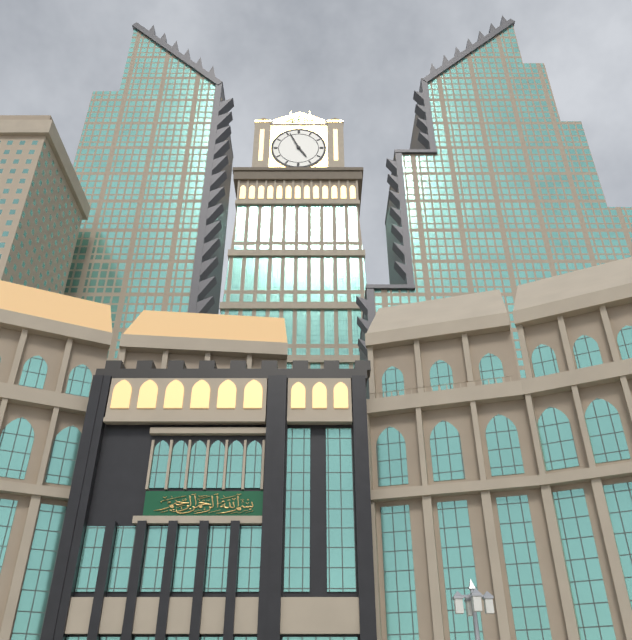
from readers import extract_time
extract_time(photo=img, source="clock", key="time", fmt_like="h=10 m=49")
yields h=4 m=56
